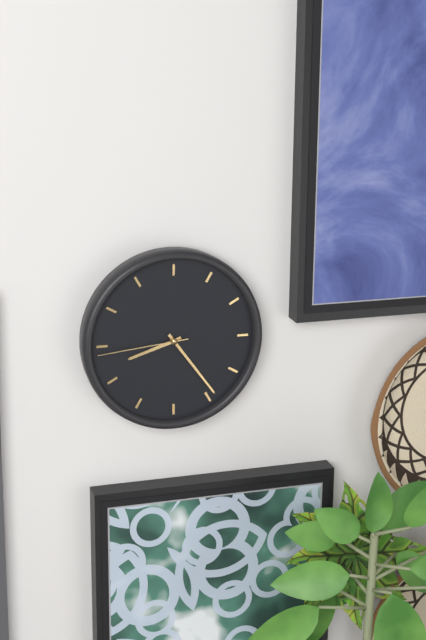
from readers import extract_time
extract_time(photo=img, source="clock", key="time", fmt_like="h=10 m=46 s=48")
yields h=8 m=24 s=44
